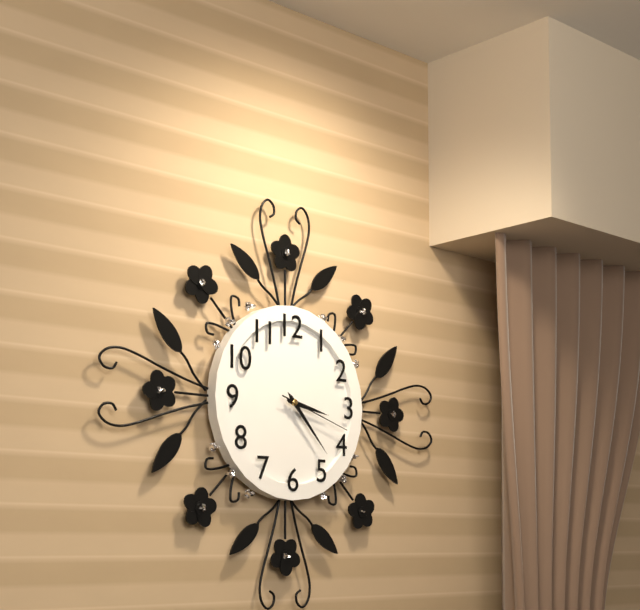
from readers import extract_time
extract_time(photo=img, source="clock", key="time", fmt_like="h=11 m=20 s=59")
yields h=3 m=23 s=18
